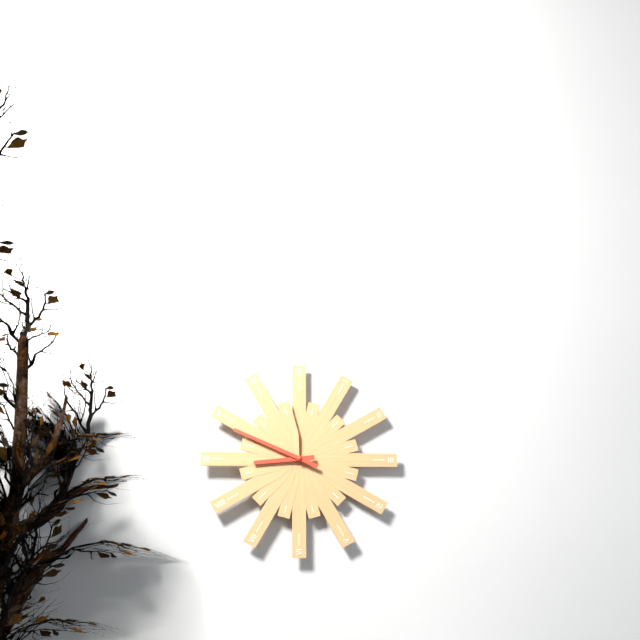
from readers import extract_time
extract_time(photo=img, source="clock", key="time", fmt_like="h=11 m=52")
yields h=8 m=49
